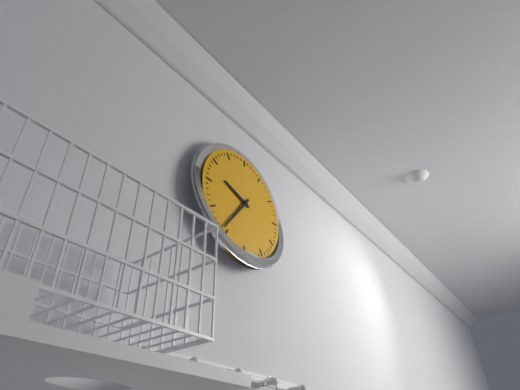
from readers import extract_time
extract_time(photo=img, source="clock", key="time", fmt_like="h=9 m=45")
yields h=9 m=36
